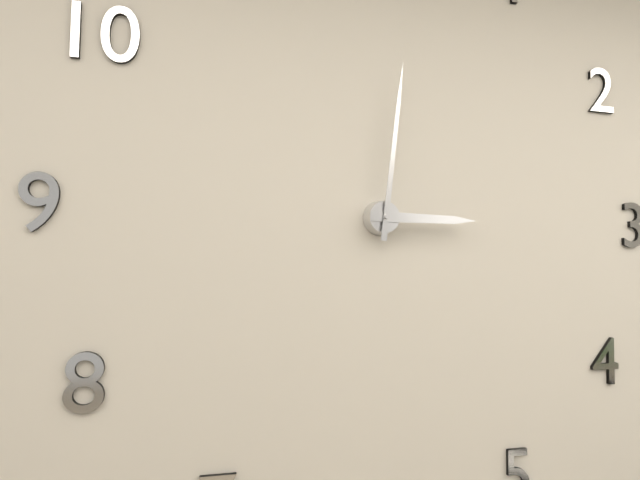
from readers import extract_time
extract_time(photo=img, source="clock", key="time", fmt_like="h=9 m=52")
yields h=3 m=1
